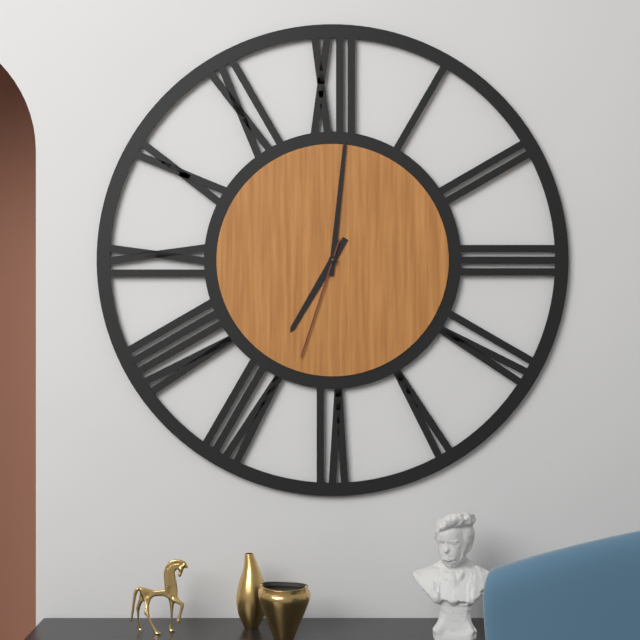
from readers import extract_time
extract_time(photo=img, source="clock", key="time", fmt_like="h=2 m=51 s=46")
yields h=7 m=1 s=33
